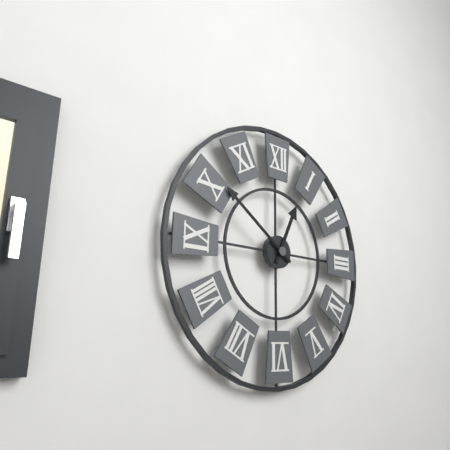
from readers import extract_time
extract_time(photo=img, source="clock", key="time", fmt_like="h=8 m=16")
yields h=12 m=51
